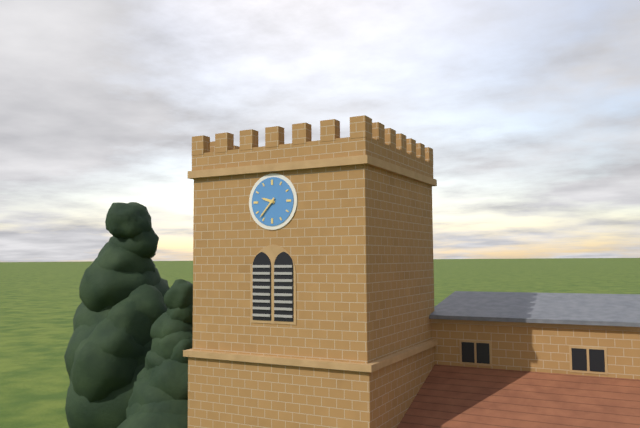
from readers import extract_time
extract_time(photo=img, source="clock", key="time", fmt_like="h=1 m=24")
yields h=9 m=37
